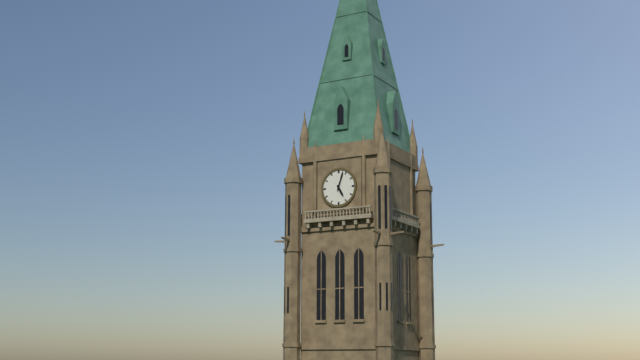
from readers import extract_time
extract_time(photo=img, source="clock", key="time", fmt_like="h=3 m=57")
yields h=5 m=3
